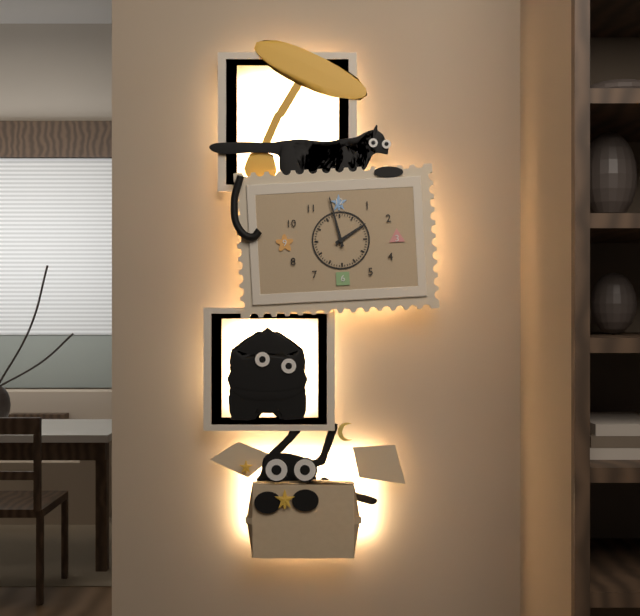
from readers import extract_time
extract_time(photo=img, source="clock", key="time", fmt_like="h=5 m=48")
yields h=1 m=58
